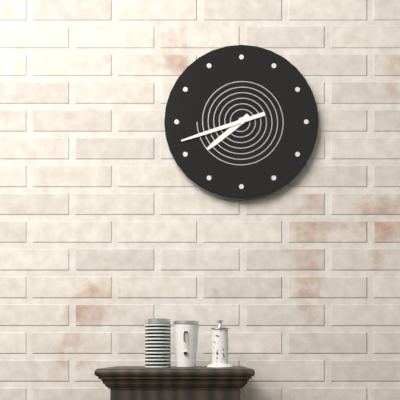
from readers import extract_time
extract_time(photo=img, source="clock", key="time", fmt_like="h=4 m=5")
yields h=7 m=42
